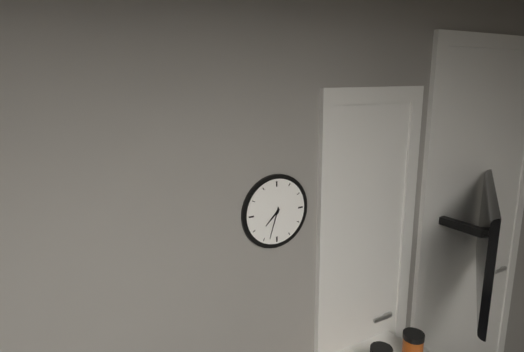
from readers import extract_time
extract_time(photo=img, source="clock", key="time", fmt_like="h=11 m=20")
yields h=7 m=33
